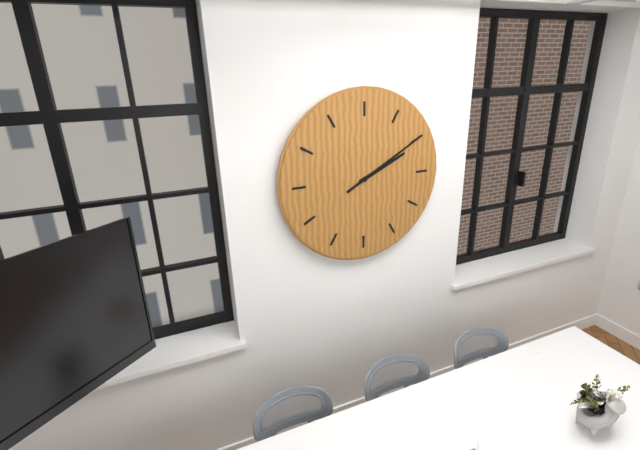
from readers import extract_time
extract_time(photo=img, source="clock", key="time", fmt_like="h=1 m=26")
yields h=2 m=10
